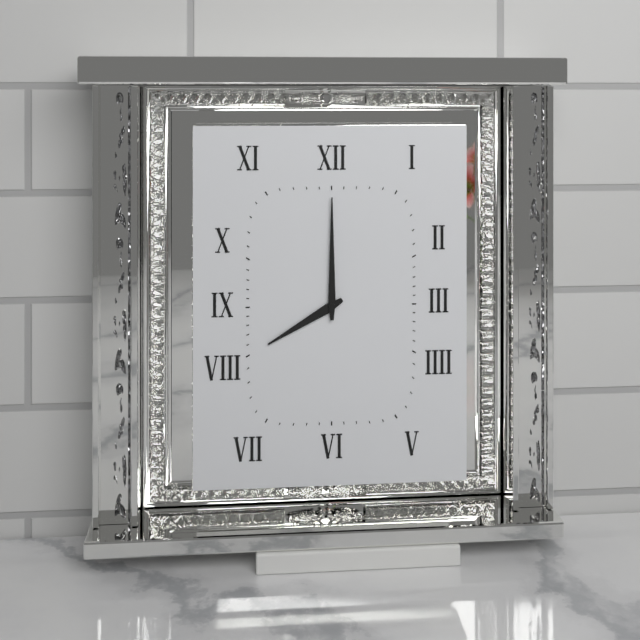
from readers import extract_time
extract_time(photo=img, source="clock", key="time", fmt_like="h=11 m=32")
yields h=8 m=0
